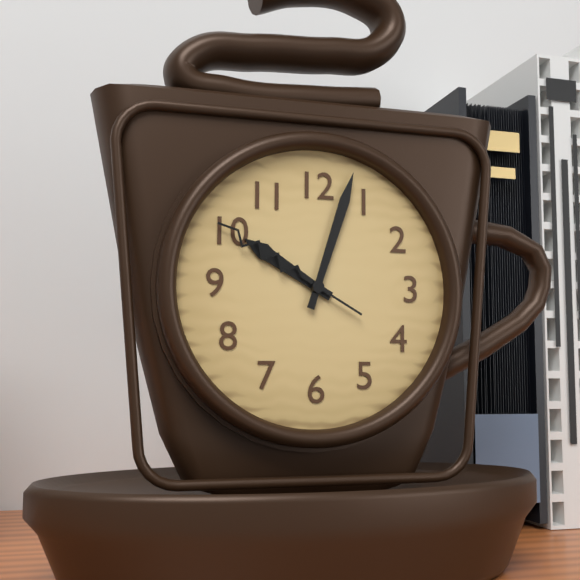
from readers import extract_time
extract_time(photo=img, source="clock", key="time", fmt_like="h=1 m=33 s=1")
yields h=10 m=3 s=50
